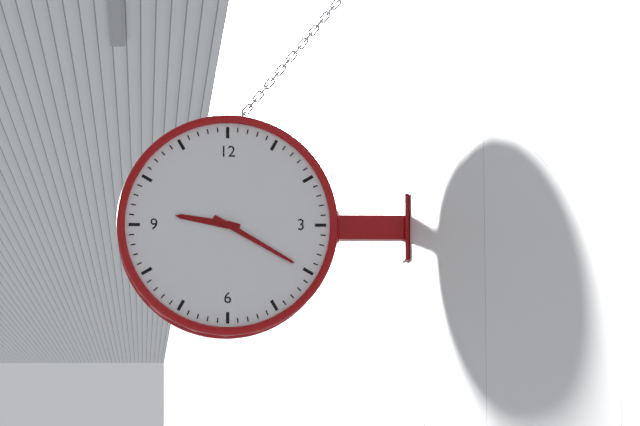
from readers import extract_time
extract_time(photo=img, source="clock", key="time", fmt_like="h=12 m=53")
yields h=9 m=20
